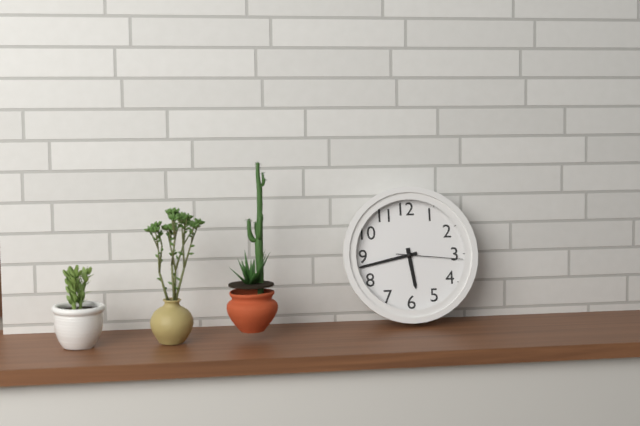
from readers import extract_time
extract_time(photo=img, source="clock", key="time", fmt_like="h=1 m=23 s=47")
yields h=5 m=43 s=16
